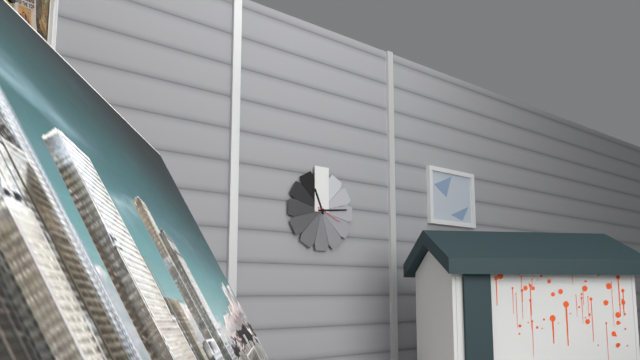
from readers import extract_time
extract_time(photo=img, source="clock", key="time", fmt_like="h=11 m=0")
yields h=11 m=14
